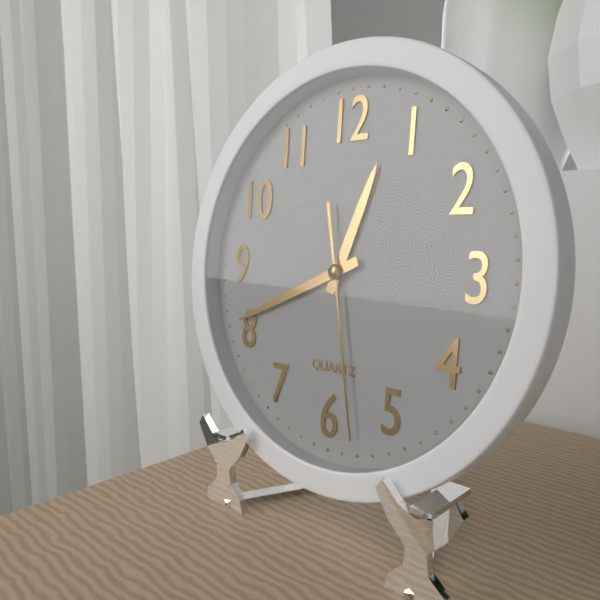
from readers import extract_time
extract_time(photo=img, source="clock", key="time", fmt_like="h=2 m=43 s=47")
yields h=12 m=41 s=28
